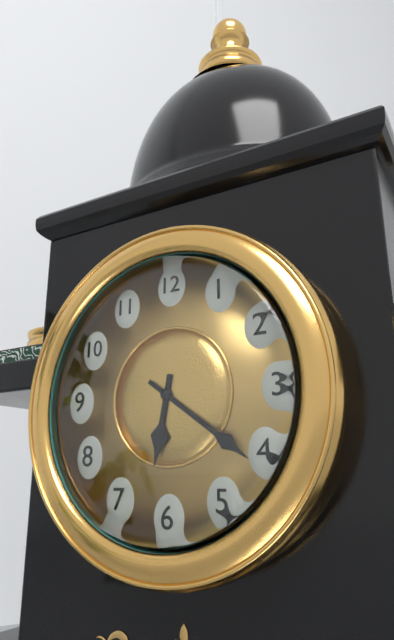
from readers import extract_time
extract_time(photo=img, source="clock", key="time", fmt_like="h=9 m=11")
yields h=6 m=21
